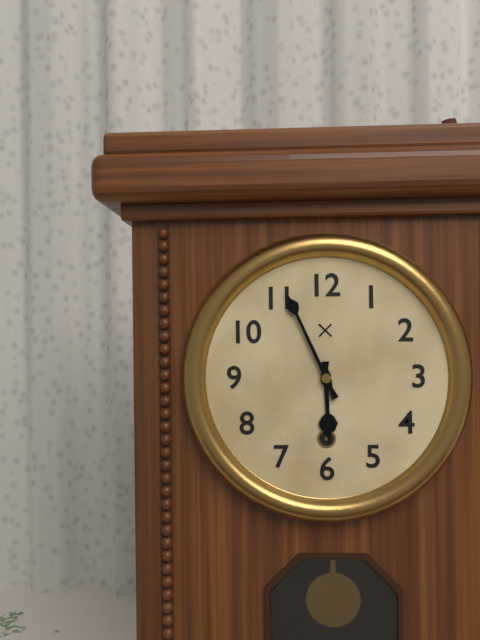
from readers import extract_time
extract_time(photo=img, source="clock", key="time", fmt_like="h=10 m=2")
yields h=5 m=56
